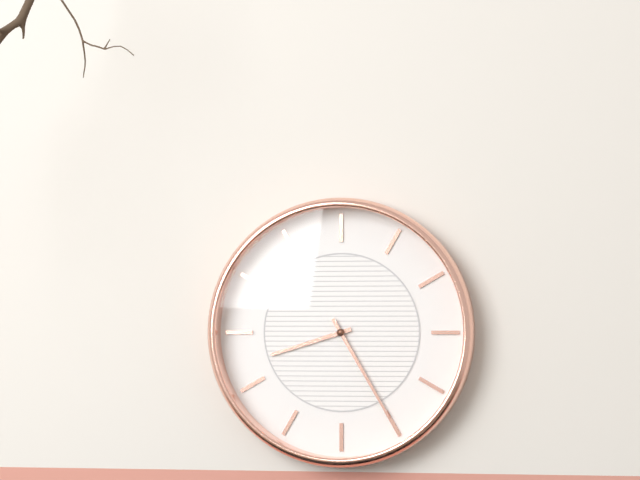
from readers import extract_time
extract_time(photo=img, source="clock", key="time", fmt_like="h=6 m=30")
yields h=8 m=25
